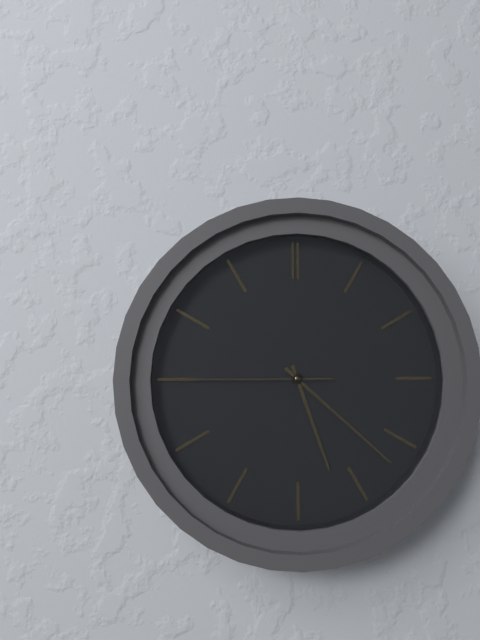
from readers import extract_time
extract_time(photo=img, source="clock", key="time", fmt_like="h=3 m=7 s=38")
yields h=5 m=22 s=45
